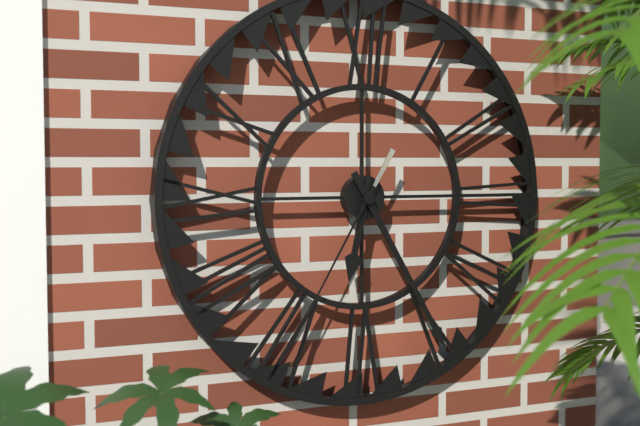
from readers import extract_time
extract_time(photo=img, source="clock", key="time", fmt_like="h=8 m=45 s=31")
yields h=6 m=25 s=35
